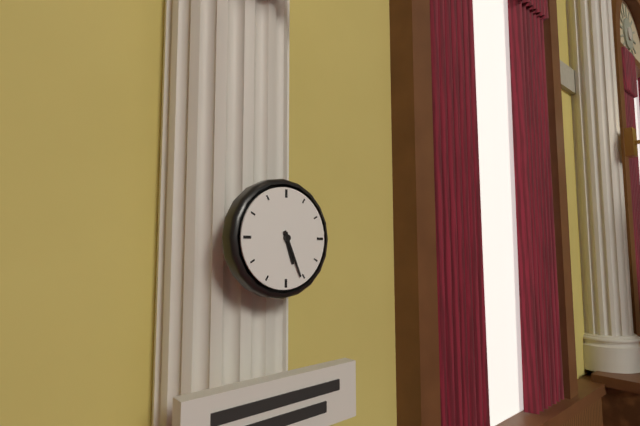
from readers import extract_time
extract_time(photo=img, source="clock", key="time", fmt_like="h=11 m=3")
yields h=5 m=26
